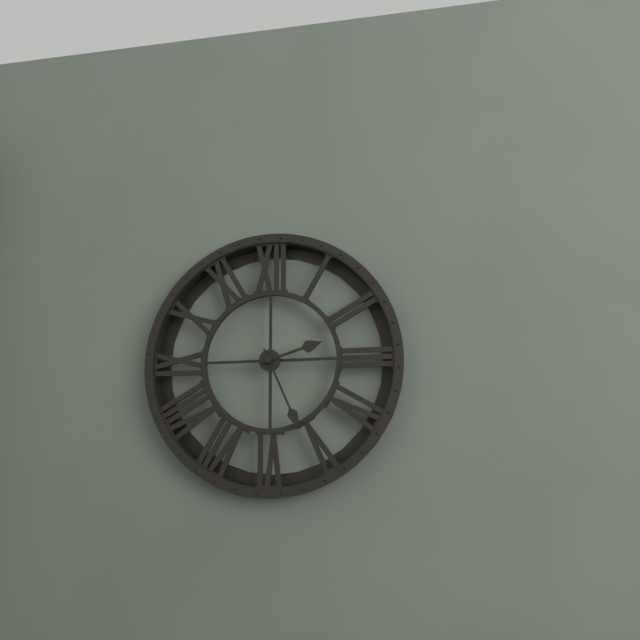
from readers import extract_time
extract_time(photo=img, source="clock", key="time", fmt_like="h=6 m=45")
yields h=2 m=26
